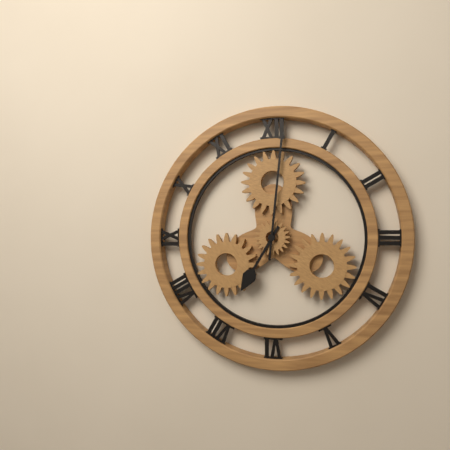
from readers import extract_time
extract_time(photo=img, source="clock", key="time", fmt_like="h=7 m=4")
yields h=7 m=1
